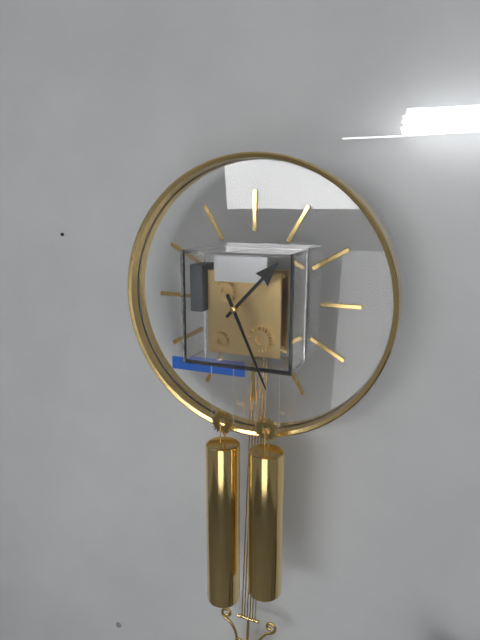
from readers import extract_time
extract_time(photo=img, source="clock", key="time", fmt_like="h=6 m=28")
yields h=1 m=26
